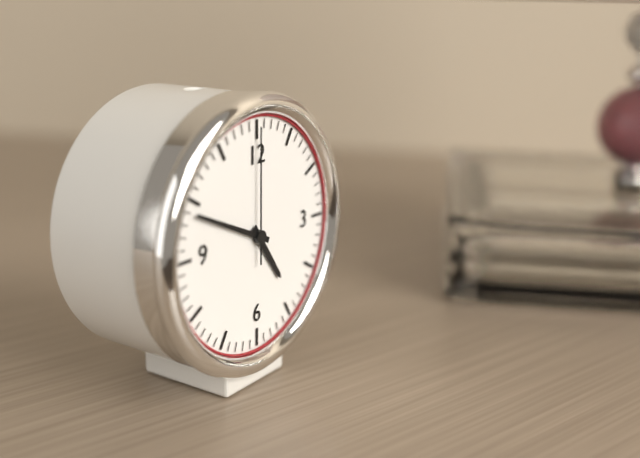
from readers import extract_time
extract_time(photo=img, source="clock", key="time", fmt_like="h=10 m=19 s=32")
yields h=4 m=49 s=0
